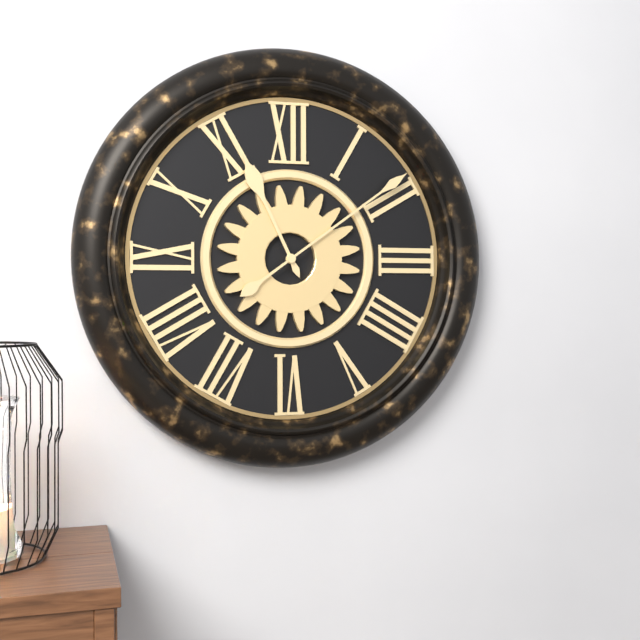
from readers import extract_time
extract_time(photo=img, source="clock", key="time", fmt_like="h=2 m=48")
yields h=11 m=9
